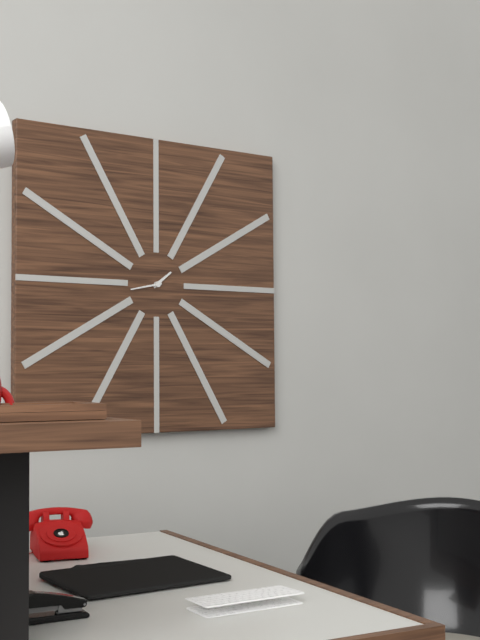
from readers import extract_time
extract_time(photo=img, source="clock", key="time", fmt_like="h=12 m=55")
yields h=1 m=43
